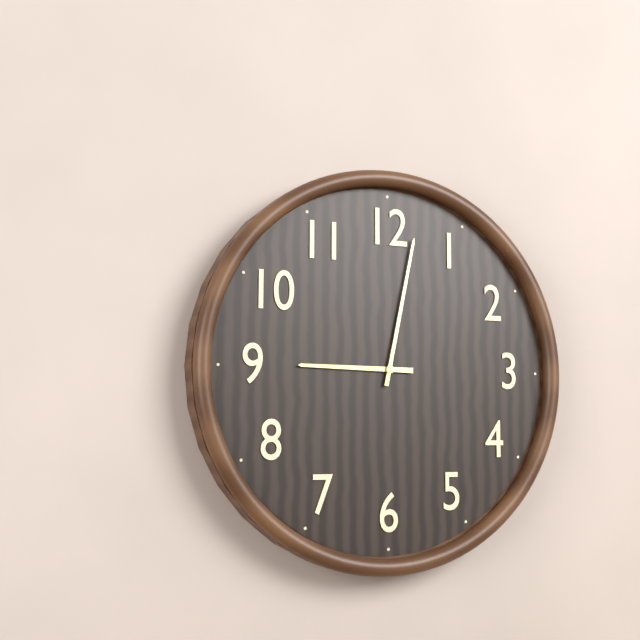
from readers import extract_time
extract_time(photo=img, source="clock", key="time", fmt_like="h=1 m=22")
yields h=9 m=2
